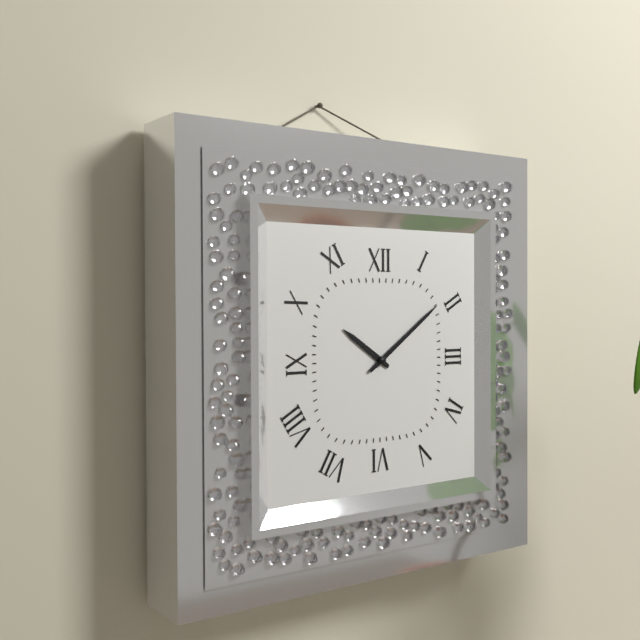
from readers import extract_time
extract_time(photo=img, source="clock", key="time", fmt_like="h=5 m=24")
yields h=10 m=9
